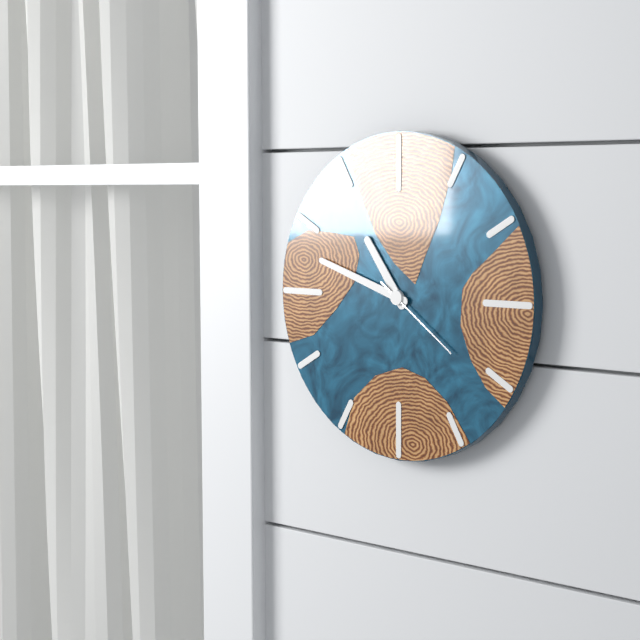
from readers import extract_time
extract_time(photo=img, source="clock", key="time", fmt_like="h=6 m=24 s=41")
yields h=10 m=48 s=21
